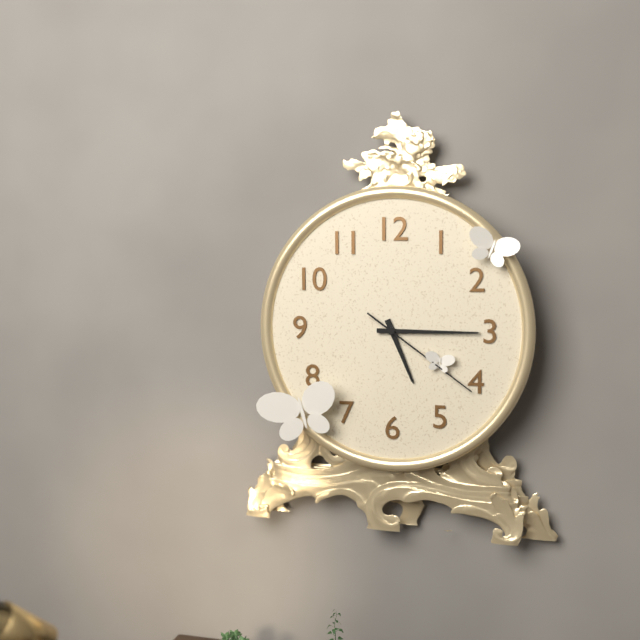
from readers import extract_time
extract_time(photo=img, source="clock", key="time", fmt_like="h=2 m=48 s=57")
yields h=5 m=15 s=21
